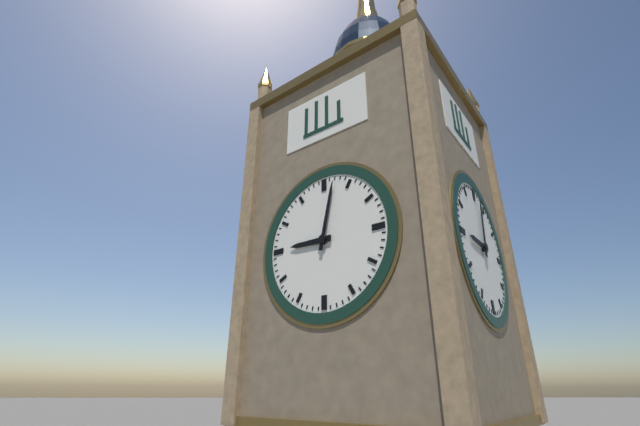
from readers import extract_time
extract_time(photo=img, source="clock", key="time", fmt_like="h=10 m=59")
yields h=9 m=2
